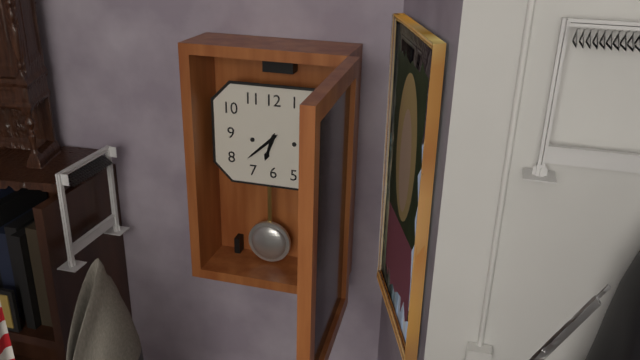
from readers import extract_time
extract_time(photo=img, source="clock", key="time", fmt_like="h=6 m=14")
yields h=6 m=38
